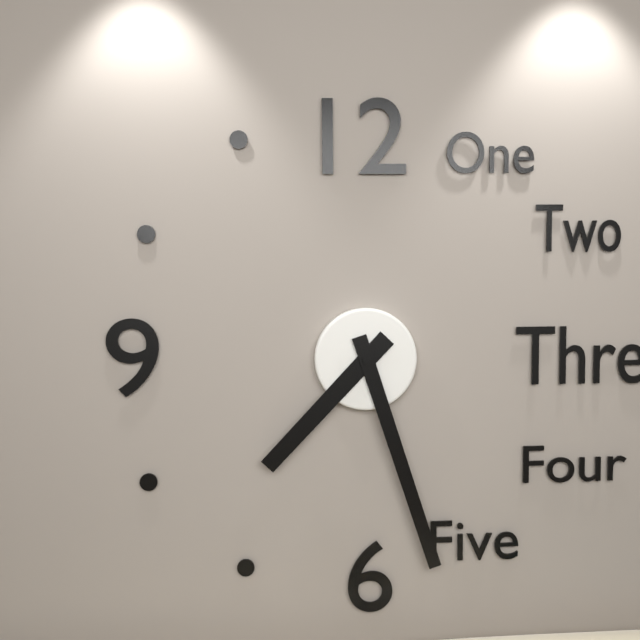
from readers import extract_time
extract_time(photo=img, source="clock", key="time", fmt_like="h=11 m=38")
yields h=7 m=27
